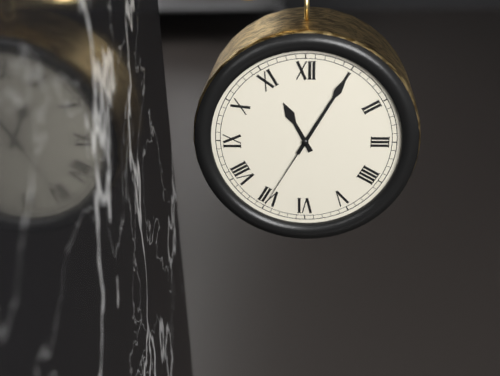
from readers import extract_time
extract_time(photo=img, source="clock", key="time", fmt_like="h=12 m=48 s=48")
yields h=11 m=5 s=35
